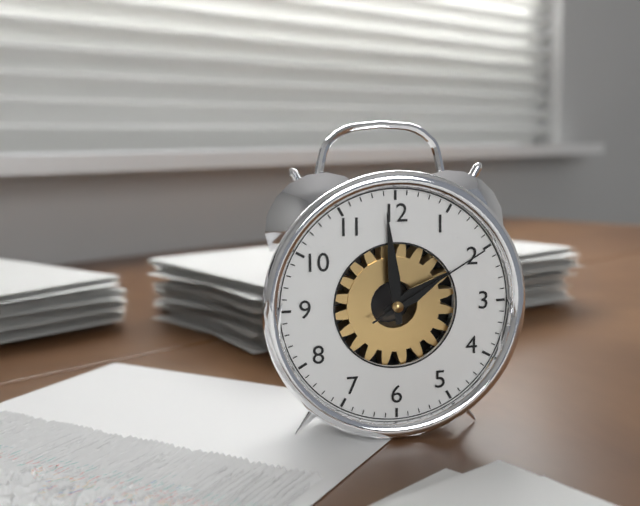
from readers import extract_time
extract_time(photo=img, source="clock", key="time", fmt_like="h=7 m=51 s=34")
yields h=1 m=59 s=10
